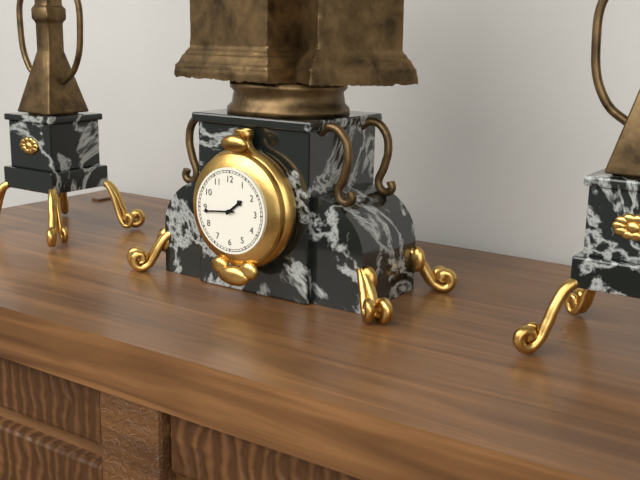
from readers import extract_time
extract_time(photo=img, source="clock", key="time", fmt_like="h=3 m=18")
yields h=1 m=44
